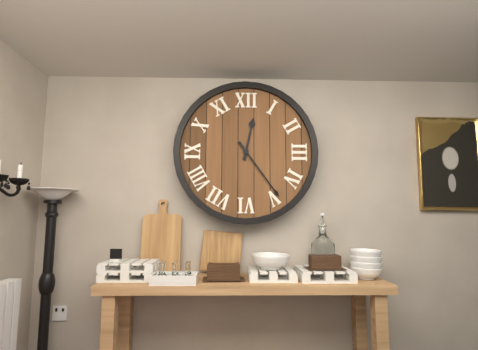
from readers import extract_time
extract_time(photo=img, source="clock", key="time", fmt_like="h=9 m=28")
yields h=12 m=24
